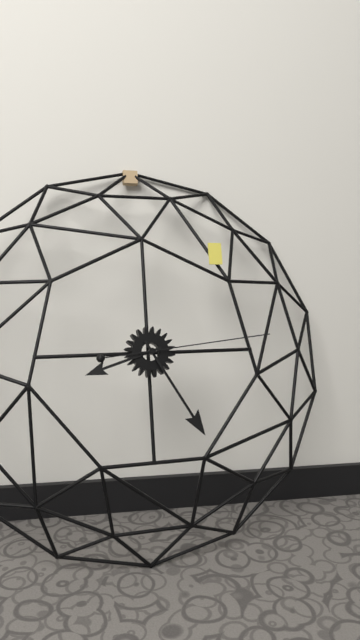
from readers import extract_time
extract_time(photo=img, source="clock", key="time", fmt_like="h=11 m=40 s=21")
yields h=8 m=25 s=14
